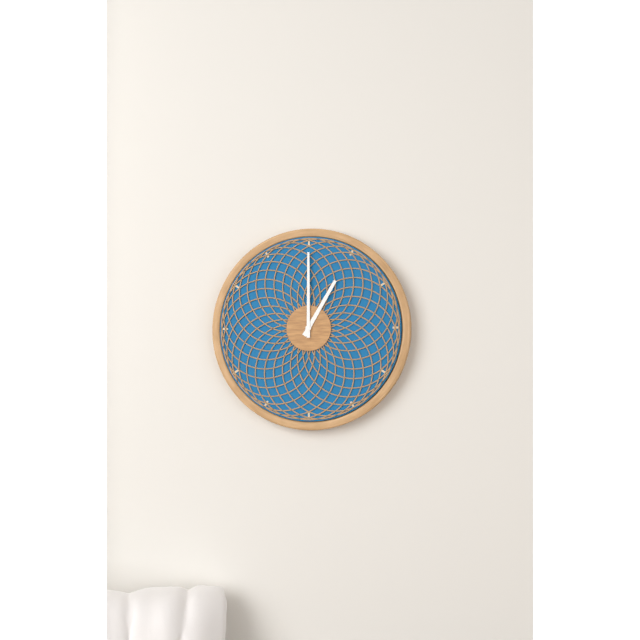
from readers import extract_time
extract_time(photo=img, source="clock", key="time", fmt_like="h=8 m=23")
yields h=1 m=0
